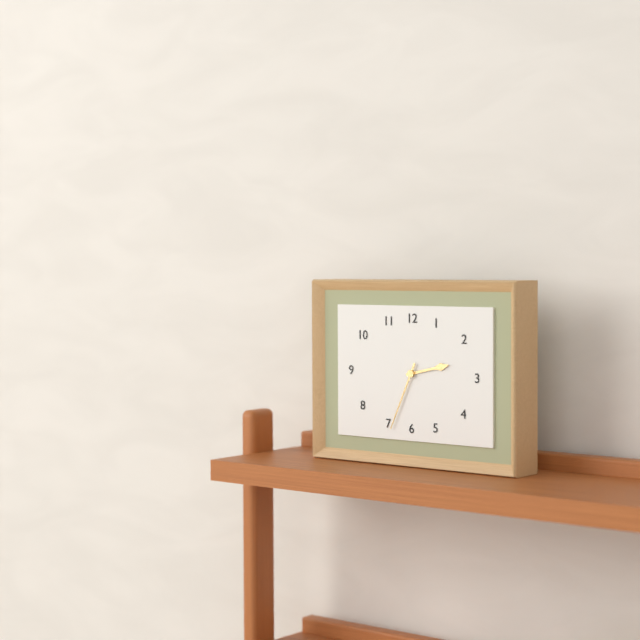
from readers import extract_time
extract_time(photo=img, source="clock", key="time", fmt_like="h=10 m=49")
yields h=2 m=34
